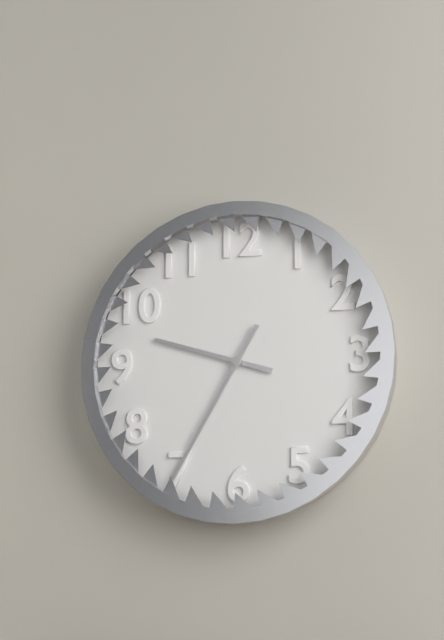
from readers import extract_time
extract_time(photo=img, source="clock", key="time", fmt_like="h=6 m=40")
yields h=9 m=35
